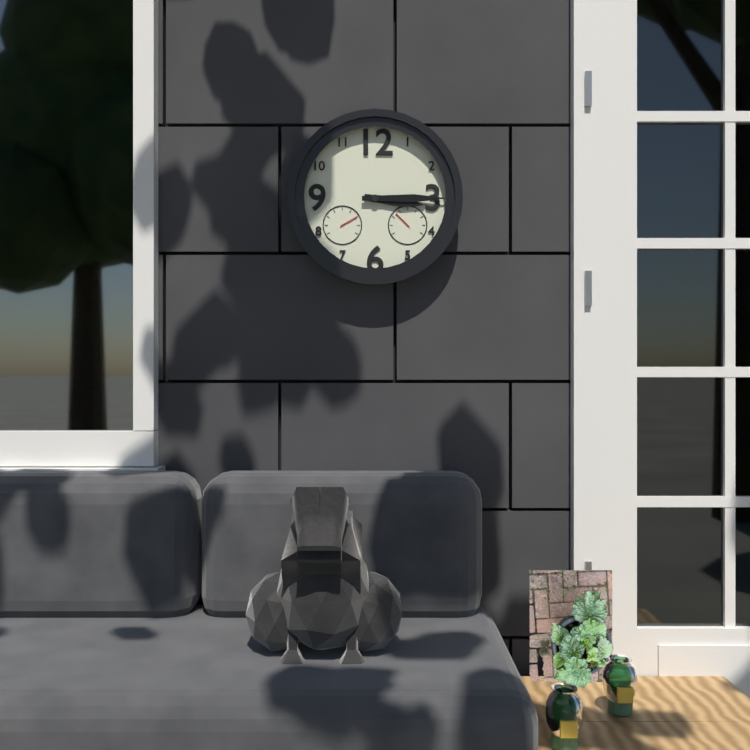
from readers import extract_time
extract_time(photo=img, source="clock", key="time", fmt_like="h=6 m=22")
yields h=3 m=15
